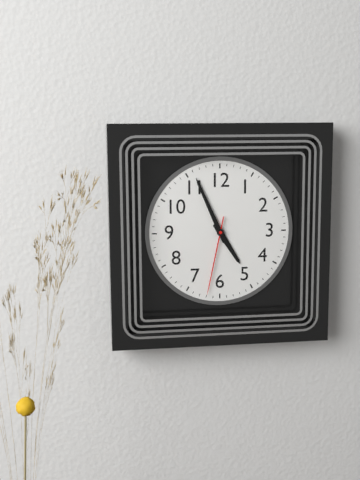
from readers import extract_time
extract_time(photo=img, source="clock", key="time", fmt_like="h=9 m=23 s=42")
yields h=4 m=56 s=32
